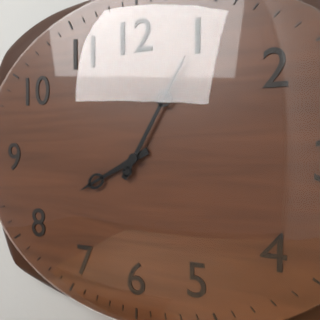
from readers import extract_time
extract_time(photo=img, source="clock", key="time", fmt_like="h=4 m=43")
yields h=8 m=5
